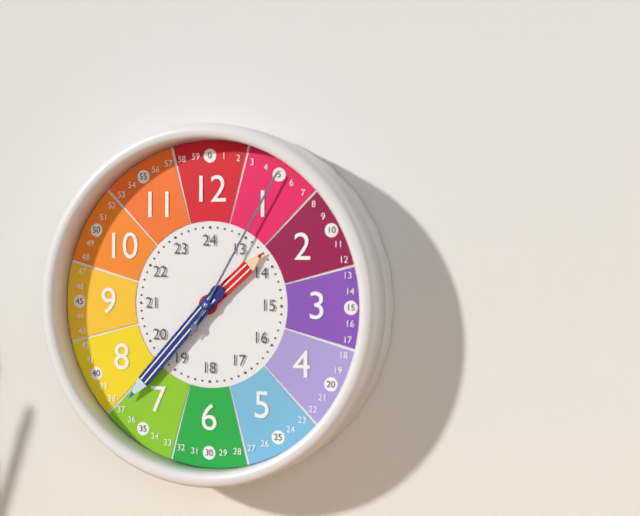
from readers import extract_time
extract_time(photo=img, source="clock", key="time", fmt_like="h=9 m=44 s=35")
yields h=1 m=37 s=5
